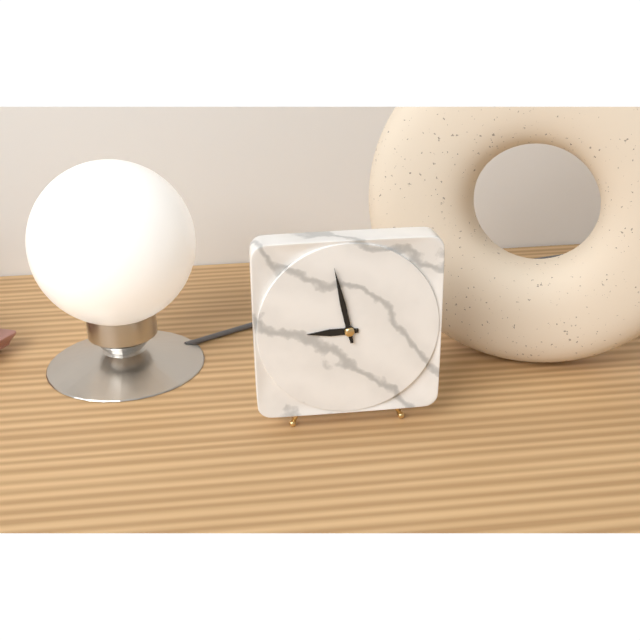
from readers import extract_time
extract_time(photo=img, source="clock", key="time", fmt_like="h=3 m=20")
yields h=8 m=58
